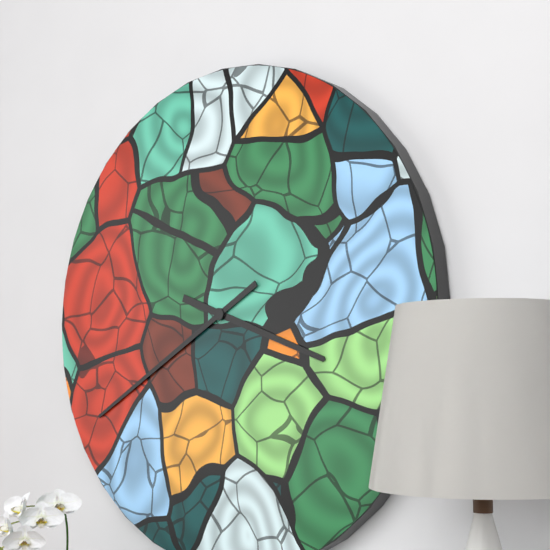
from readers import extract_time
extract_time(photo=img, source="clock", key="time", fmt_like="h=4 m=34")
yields h=3 m=40
